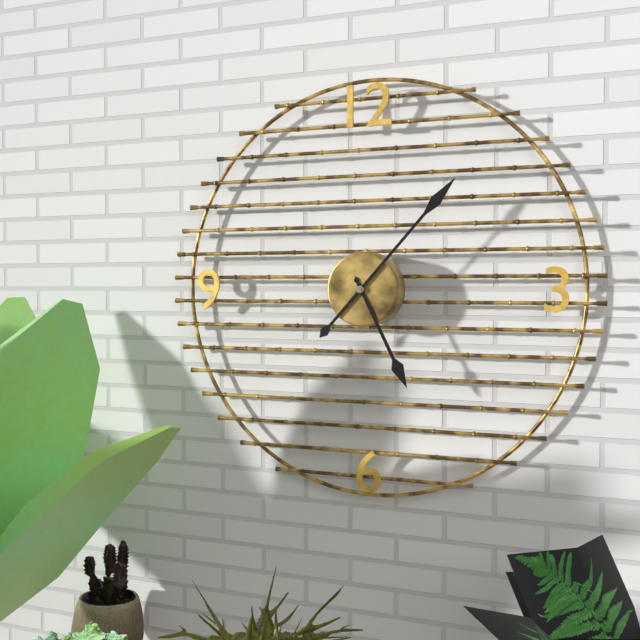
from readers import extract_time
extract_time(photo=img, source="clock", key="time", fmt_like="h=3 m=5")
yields h=5 m=7
